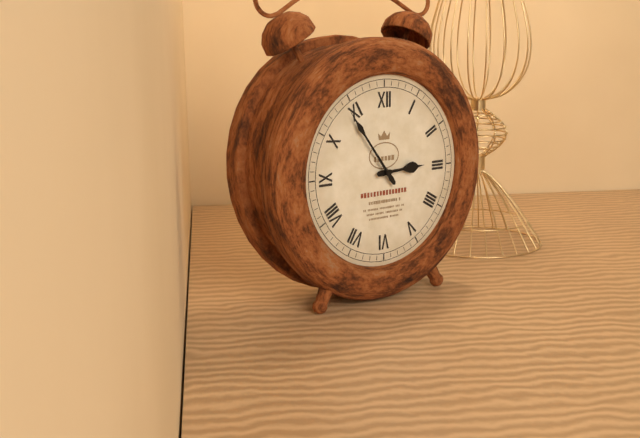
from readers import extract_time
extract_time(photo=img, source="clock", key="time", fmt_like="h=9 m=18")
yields h=2 m=54
